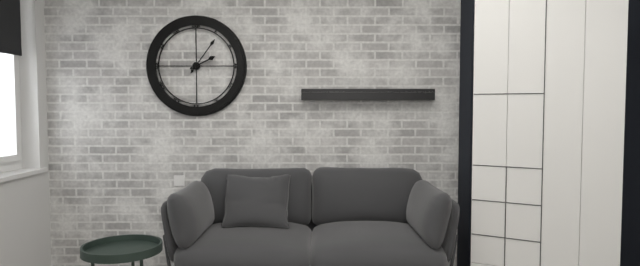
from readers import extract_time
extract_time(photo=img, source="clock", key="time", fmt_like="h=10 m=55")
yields h=2 m=6
